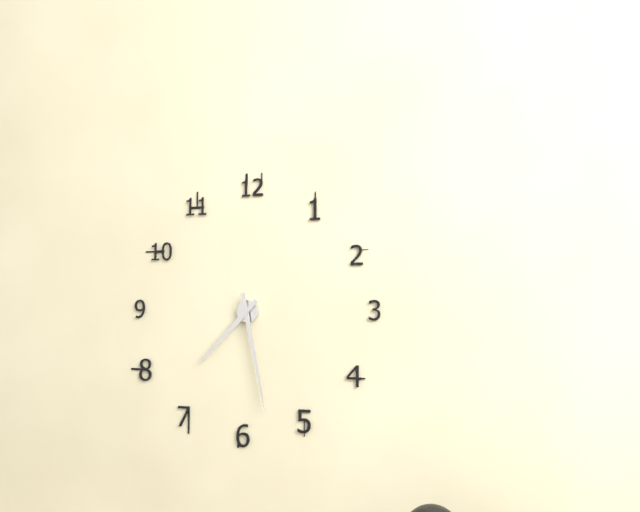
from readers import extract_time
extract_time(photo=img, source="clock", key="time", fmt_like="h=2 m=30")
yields h=7 m=28
